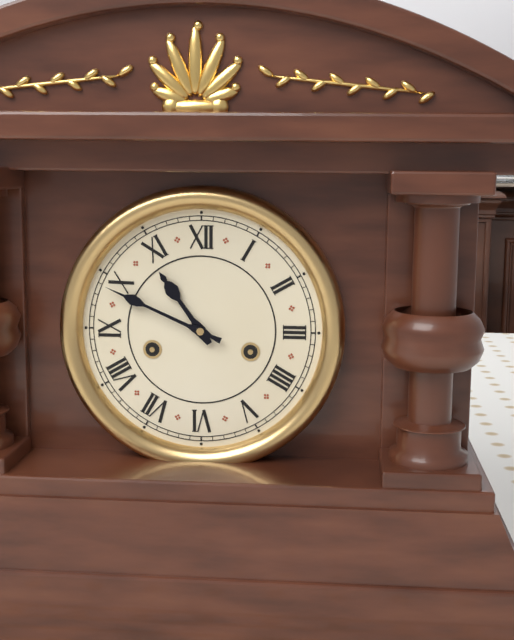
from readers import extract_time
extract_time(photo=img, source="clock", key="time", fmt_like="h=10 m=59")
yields h=10 m=49
